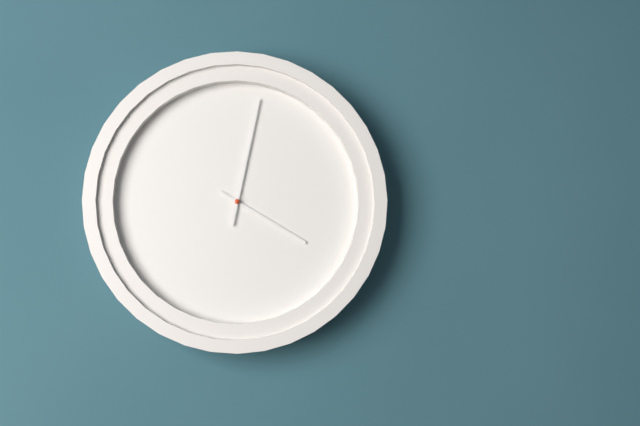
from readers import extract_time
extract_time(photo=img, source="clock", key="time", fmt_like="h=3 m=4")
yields h=4 m=2
